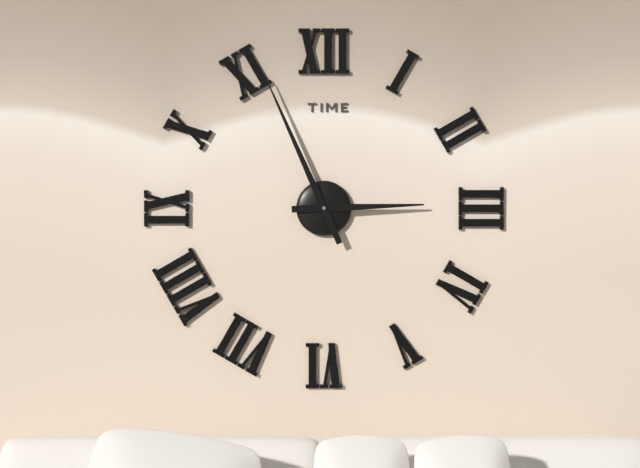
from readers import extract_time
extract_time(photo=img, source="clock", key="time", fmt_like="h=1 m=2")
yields h=2 m=56
